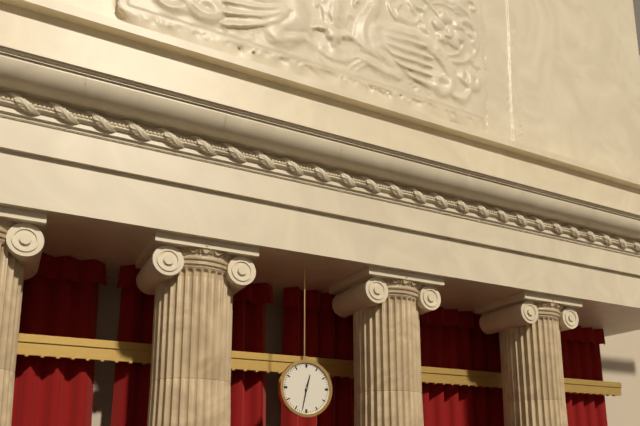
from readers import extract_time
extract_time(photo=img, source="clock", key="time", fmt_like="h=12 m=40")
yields h=12 m=32
